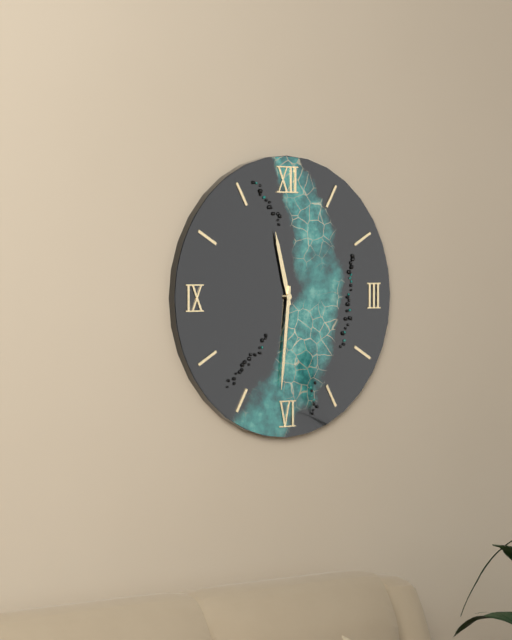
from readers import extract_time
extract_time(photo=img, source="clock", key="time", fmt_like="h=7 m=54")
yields h=11 m=31
